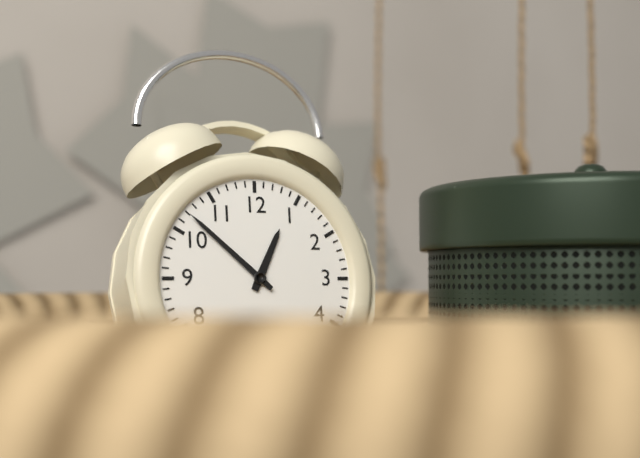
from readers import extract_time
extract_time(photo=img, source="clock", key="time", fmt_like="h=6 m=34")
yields h=12 m=52
